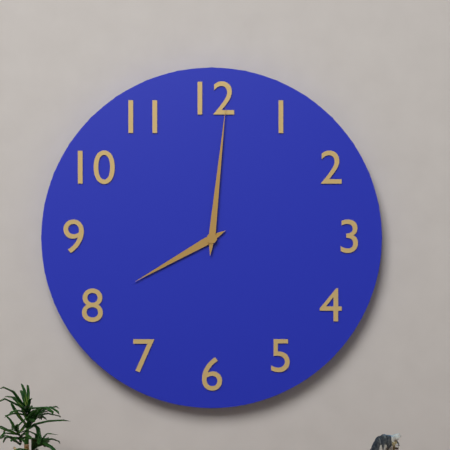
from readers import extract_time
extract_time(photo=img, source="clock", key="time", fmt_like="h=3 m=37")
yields h=8 m=1
